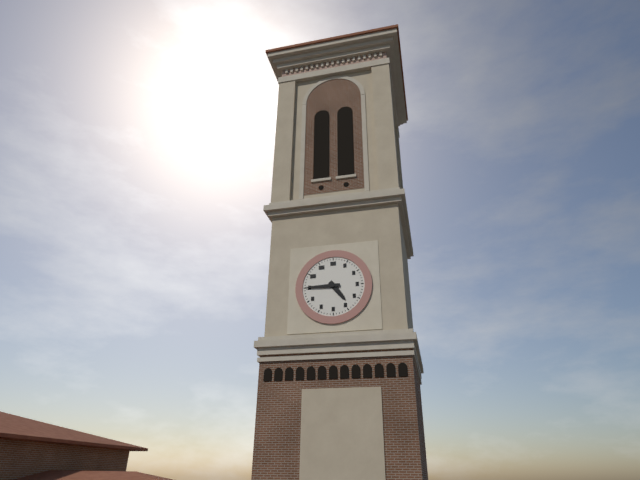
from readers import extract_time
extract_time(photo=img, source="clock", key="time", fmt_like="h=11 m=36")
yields h=4 m=45
